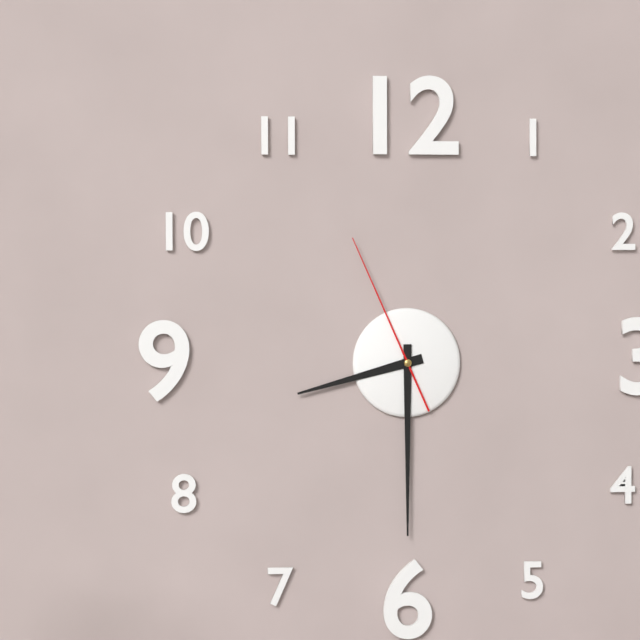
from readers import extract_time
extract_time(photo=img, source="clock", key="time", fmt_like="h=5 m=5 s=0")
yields h=8 m=30 s=56
